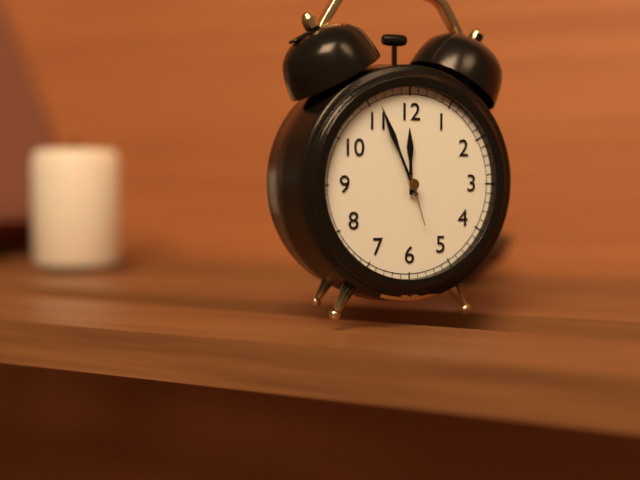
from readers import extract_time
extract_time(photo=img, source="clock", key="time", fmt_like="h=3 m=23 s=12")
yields h=11 m=56 s=27
